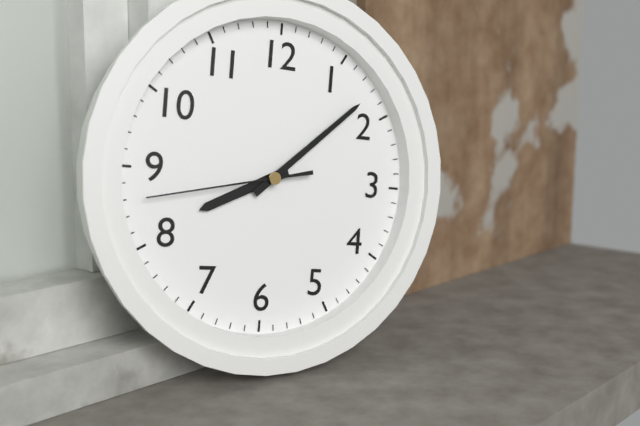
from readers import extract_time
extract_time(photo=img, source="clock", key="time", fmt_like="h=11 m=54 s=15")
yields h=8 m=8 s=43
